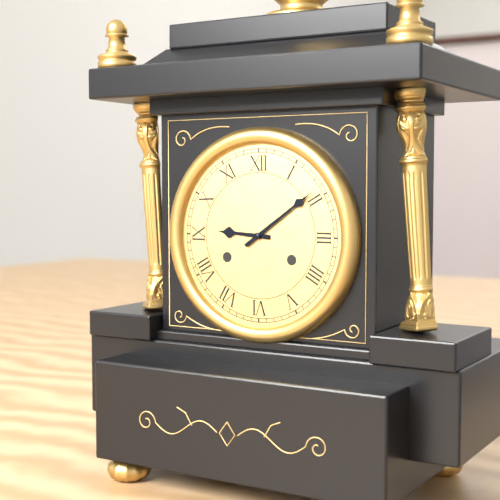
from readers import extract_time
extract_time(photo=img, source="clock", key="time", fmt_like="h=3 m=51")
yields h=9 m=9
